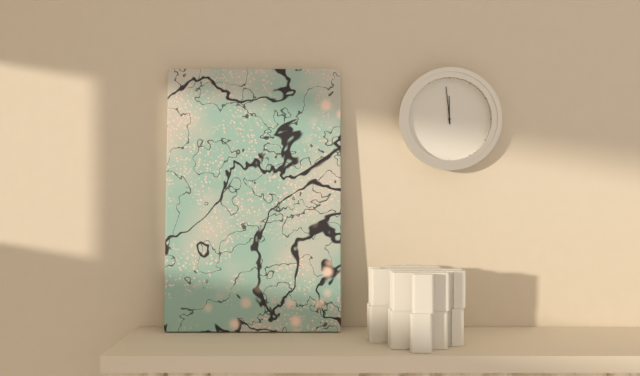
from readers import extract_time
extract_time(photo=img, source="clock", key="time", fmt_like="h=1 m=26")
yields h=11 m=59
